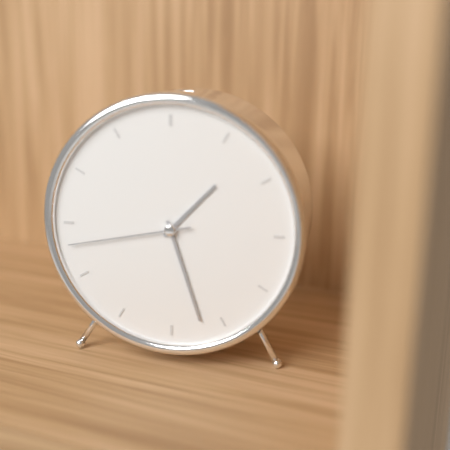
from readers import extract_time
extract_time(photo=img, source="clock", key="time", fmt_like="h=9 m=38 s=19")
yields h=1 m=27 s=43
